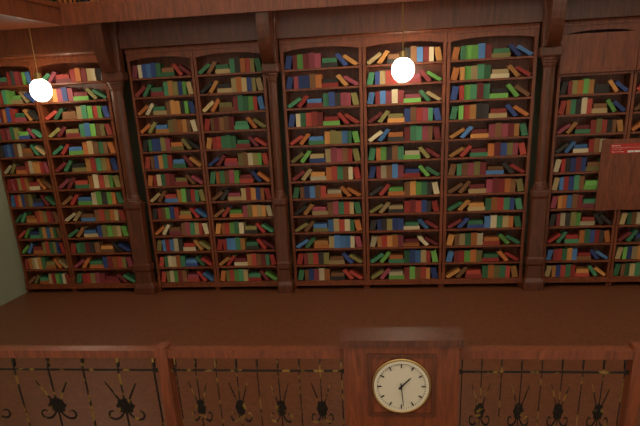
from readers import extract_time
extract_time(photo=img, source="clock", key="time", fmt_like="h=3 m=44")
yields h=1 m=29
